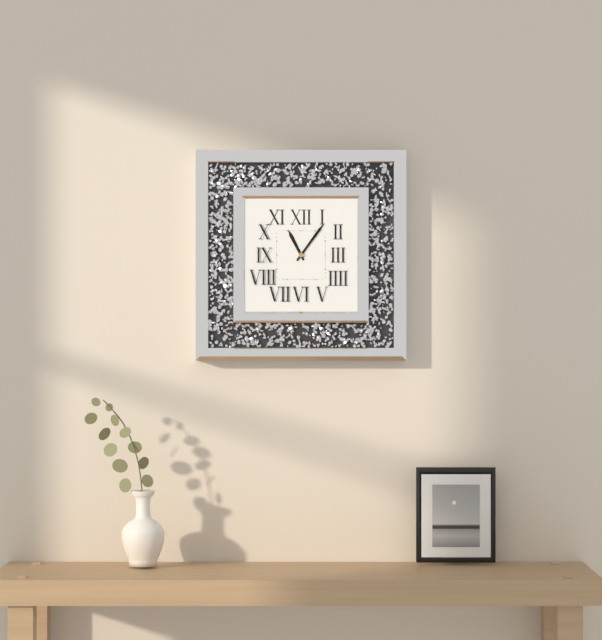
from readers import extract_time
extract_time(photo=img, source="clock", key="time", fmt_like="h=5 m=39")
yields h=11 m=6
